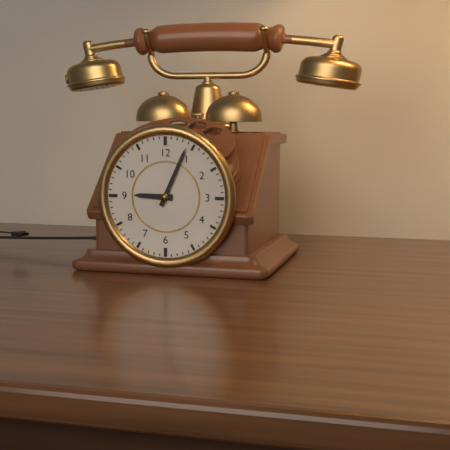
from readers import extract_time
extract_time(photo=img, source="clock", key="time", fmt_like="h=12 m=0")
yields h=9 m=4
